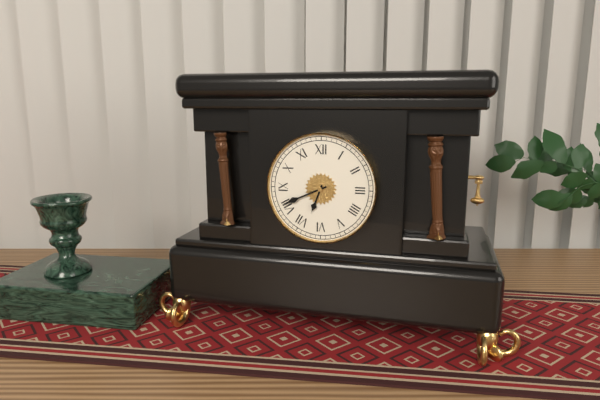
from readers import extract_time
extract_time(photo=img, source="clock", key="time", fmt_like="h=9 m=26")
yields h=6 m=41
